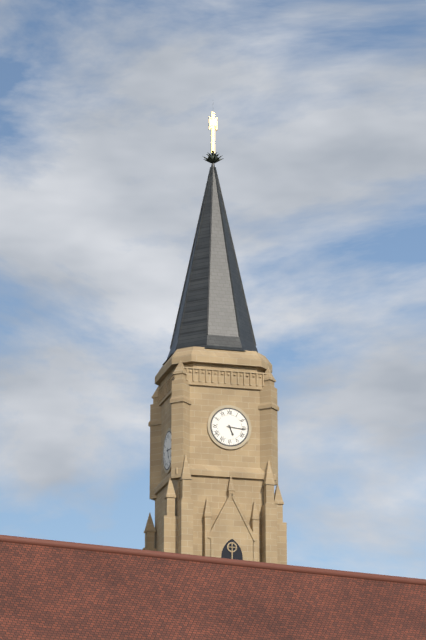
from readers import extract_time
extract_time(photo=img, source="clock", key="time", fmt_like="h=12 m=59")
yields h=5 m=16
